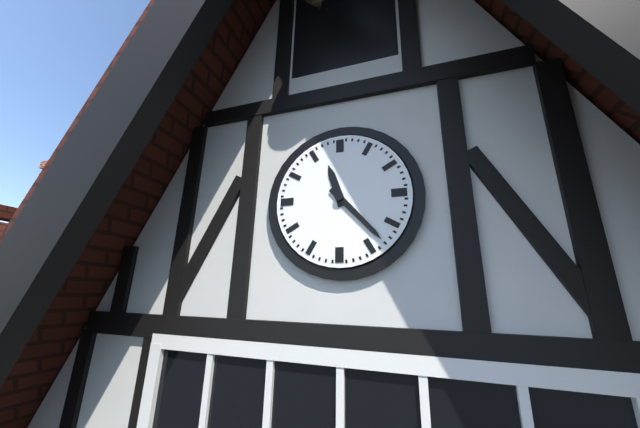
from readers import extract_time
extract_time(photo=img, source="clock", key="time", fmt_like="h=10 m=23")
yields h=11 m=23
